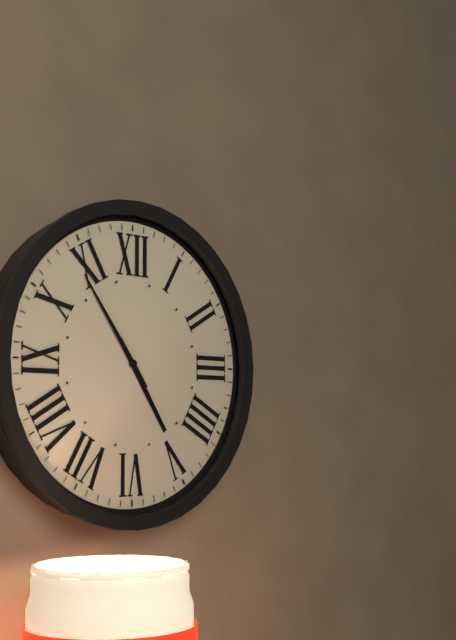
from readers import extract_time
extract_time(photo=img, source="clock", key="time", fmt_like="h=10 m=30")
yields h=4 m=54
